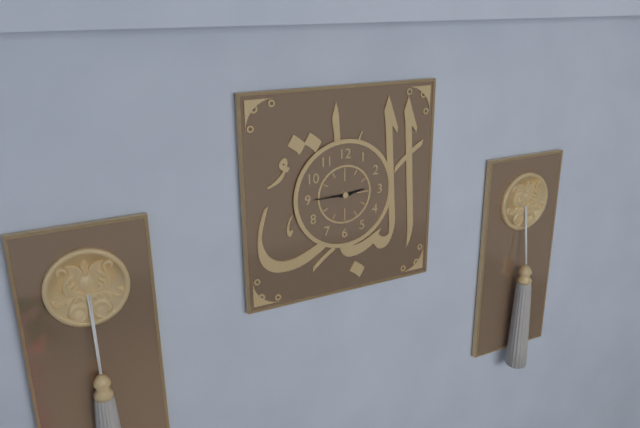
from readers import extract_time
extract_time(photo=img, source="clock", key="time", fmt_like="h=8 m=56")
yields h=2 m=45
